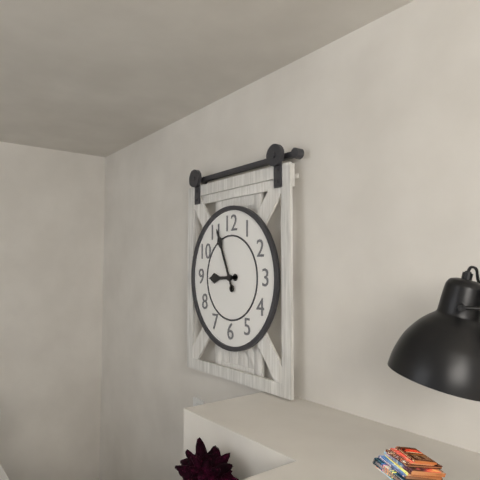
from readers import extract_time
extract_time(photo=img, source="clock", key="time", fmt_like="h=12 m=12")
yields h=8 m=56
